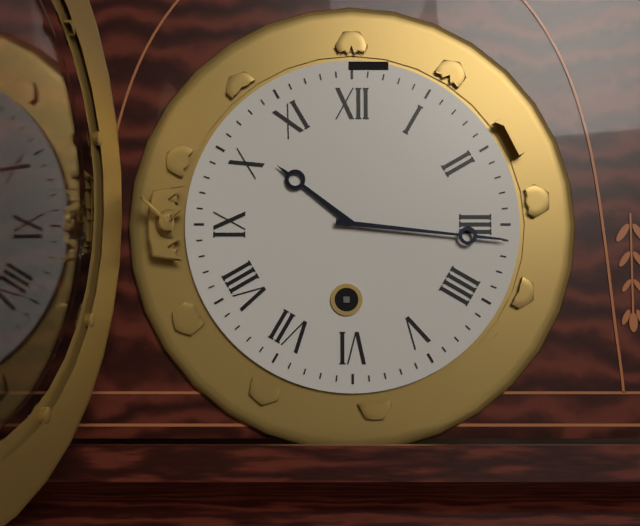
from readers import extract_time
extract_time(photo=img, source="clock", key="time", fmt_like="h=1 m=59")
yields h=10 m=16
